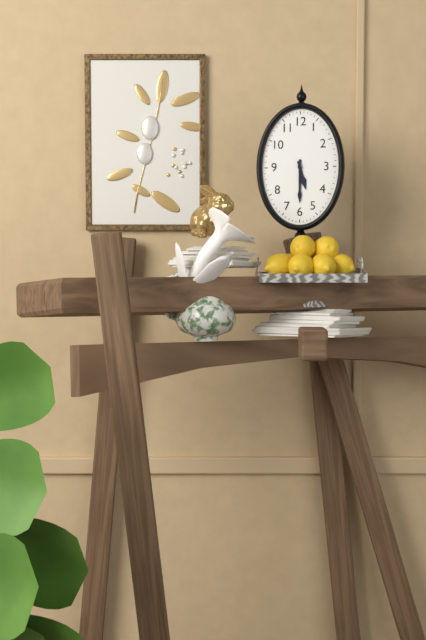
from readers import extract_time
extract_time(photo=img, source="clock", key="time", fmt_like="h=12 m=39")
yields h=5 m=30
